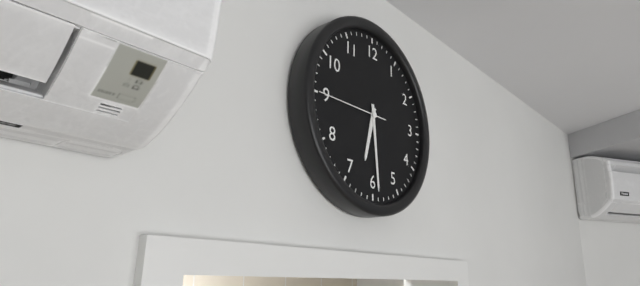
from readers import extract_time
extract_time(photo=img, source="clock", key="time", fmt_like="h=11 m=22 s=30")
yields h=6 m=29 s=45
